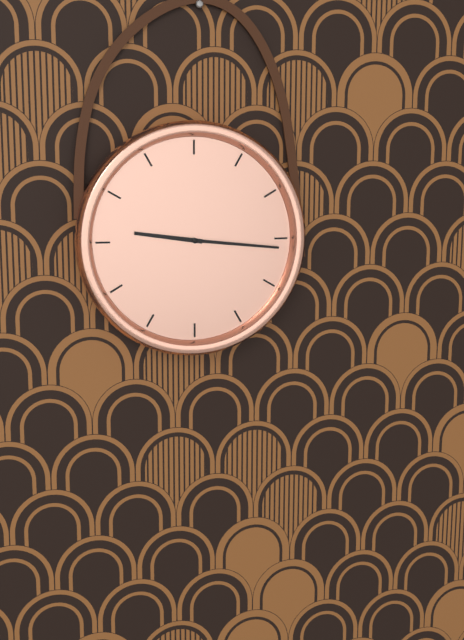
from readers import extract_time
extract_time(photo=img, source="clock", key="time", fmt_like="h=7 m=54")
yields h=9 m=16
